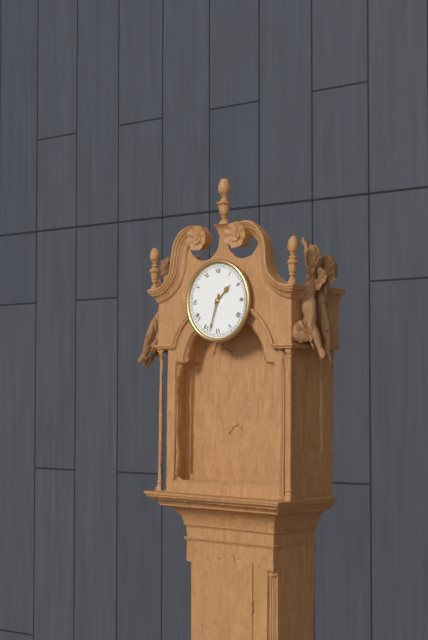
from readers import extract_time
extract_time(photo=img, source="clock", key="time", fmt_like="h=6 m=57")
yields h=1 m=33
